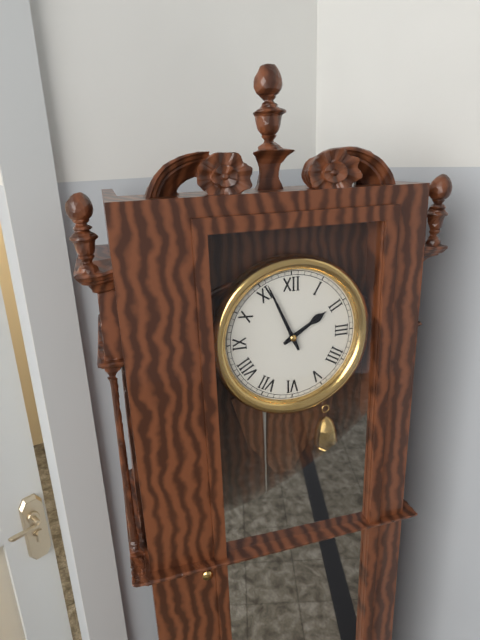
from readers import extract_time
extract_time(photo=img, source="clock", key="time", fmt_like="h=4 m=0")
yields h=1 m=56
